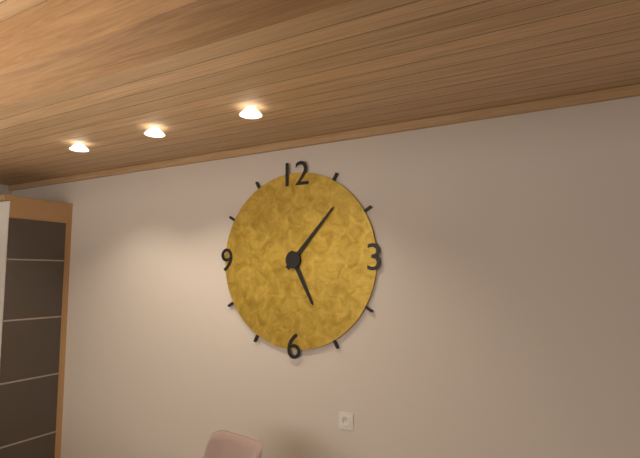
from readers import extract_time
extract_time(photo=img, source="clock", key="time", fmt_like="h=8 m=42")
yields h=5 m=7
